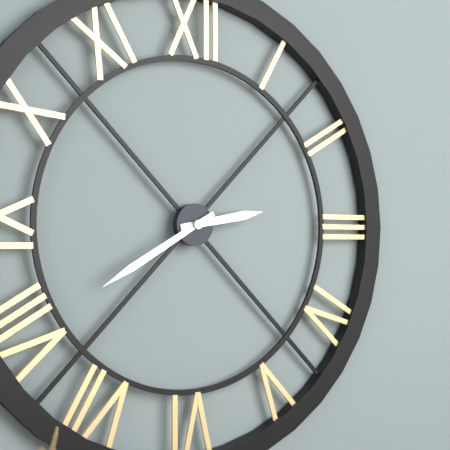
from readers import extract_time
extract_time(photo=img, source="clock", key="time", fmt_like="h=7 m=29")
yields h=2 m=40
